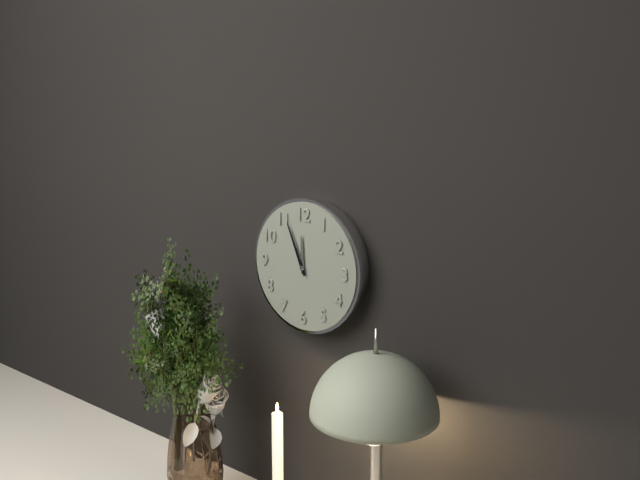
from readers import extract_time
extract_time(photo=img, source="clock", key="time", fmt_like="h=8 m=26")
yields h=11 m=56
